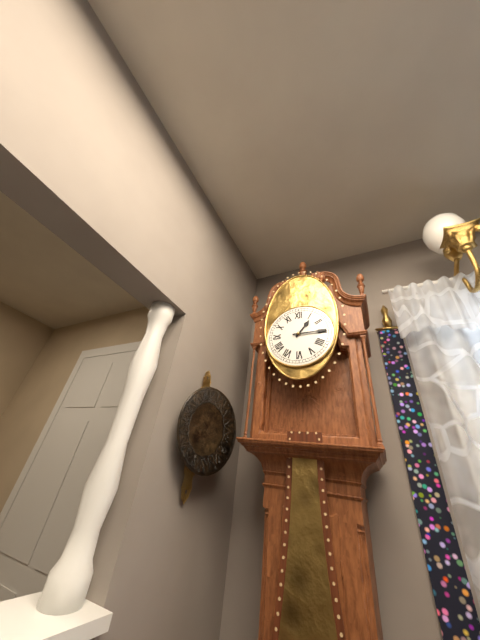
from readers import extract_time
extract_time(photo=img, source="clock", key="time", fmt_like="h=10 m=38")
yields h=1 m=15
